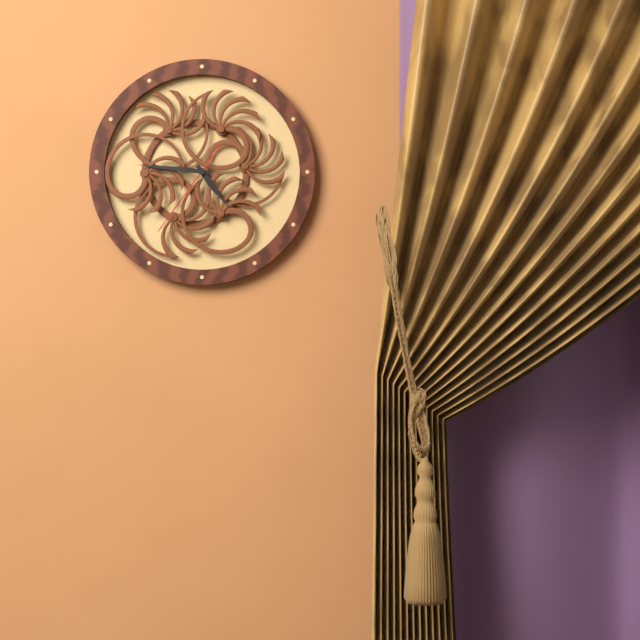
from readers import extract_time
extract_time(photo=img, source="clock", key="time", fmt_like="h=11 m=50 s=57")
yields h=4 m=46 s=36
